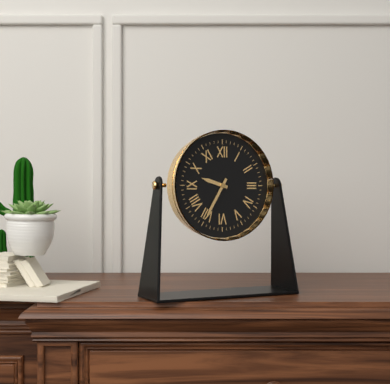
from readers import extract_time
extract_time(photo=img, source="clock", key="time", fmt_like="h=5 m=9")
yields h=9 m=35
